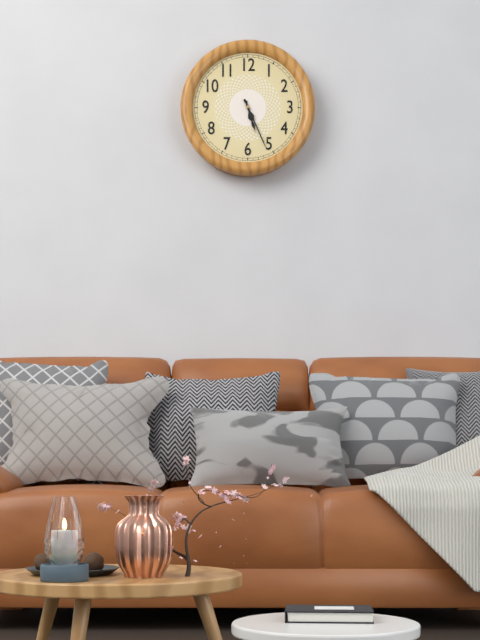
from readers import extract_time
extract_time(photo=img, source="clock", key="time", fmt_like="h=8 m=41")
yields h=5 m=26
